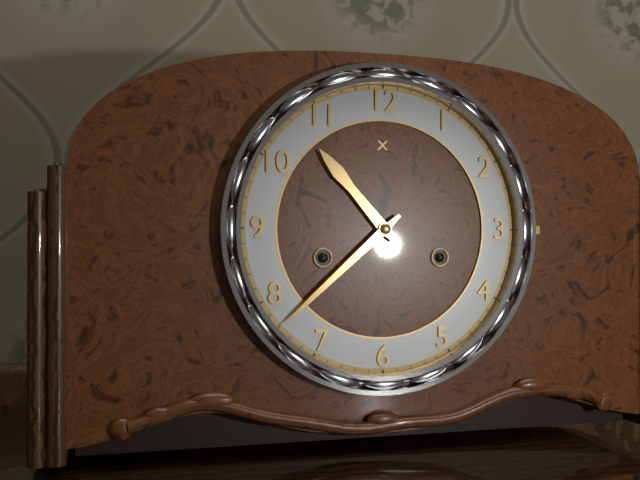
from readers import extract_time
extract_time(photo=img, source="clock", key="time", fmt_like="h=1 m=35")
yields h=10 m=38
